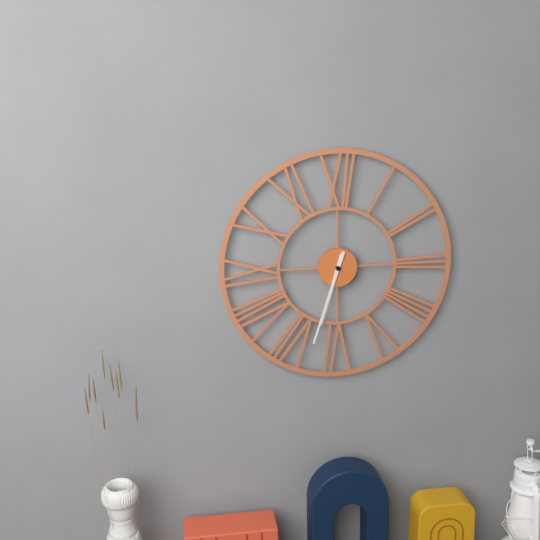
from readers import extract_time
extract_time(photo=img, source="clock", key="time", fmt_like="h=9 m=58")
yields h=6 m=33
